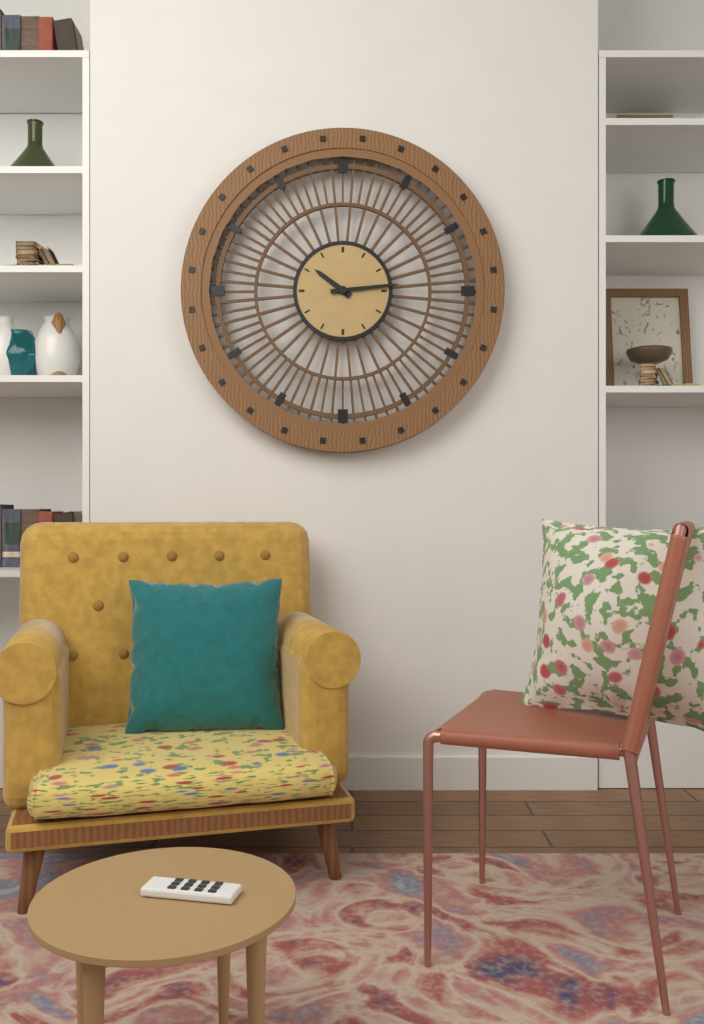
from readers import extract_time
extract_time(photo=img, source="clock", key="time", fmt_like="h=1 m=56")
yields h=10 m=14
